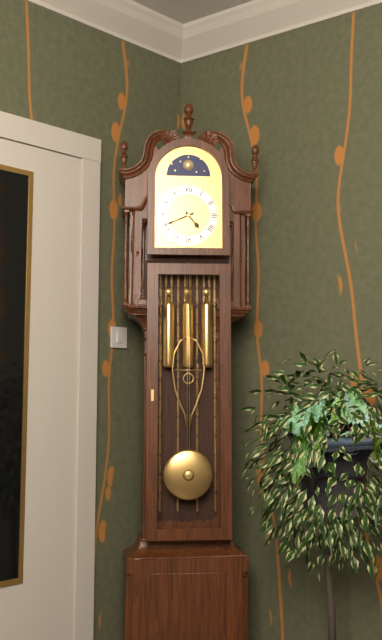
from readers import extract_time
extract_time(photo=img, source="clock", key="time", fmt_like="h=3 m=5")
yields h=4 m=41
